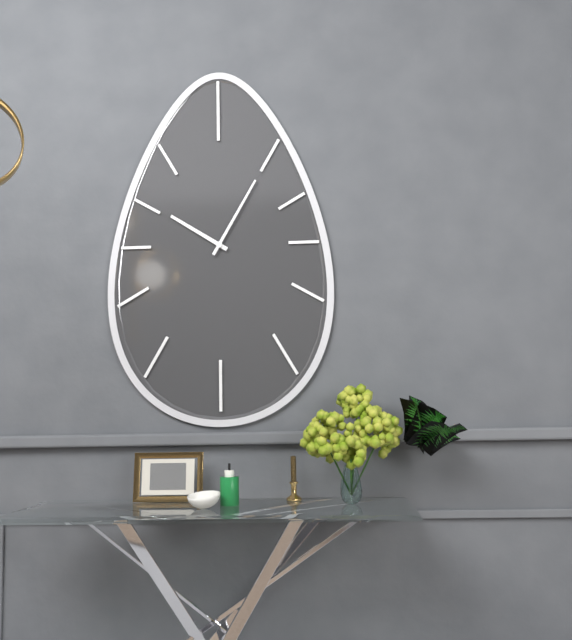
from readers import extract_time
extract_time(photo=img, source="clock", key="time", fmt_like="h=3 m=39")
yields h=10 m=5
